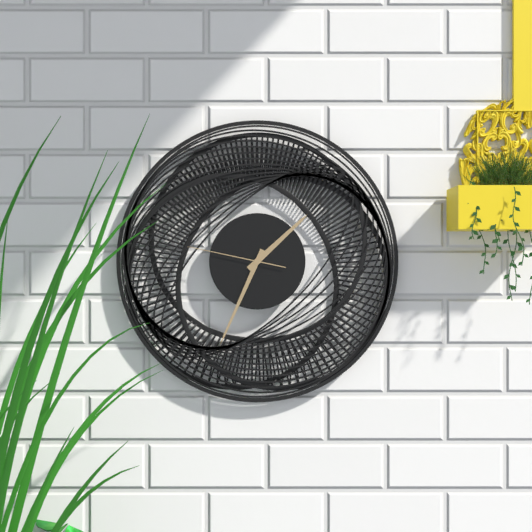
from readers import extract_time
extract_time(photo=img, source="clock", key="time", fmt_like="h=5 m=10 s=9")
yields h=1 m=34 s=47
